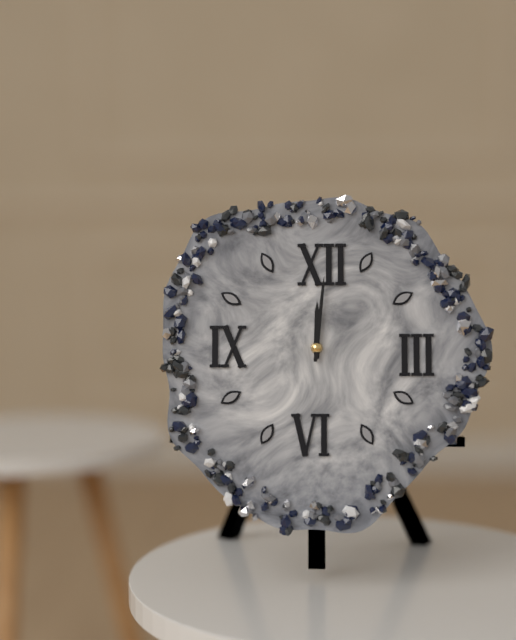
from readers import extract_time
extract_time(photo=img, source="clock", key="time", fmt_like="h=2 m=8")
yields h=12 m=1
